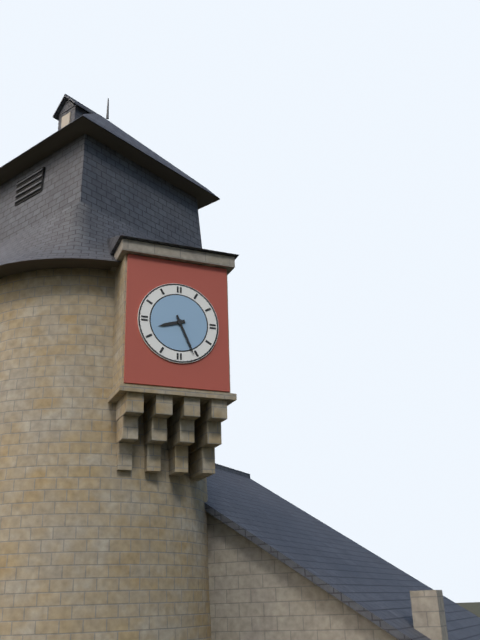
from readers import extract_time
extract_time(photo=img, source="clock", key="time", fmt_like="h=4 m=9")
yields h=8 m=26
